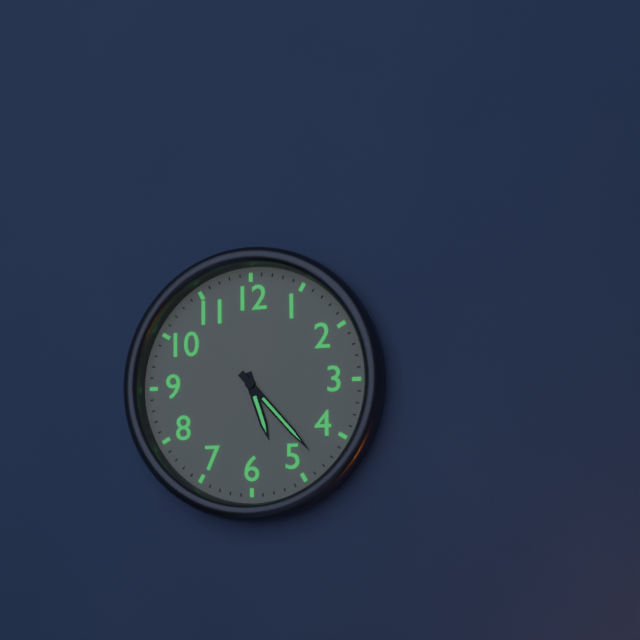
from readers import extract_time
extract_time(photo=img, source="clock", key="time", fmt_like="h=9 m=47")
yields h=5 m=23
